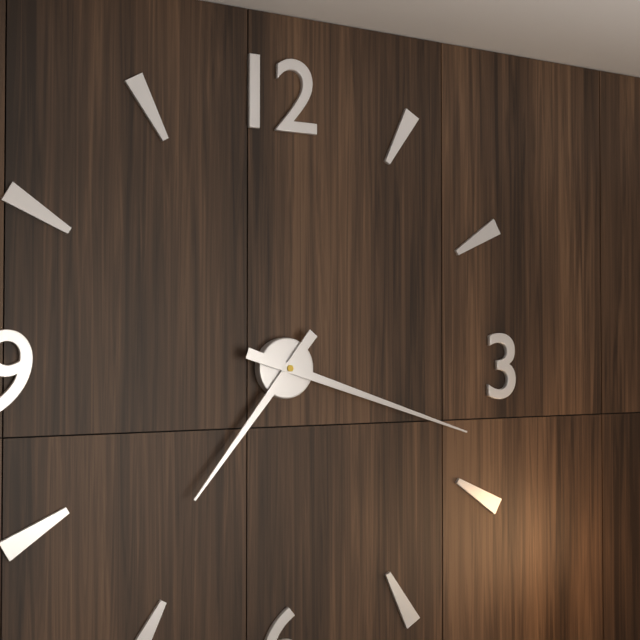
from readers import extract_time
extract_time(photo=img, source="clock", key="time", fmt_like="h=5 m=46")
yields h=7 m=18
